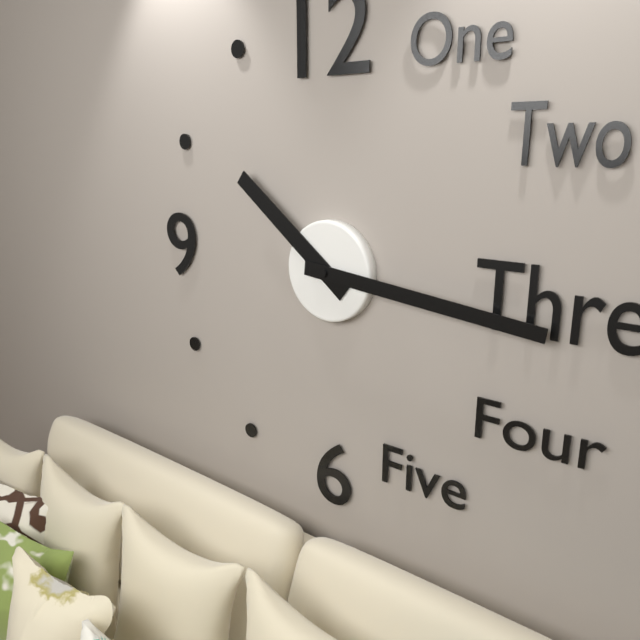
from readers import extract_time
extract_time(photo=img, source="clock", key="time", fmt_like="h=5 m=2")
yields h=10 m=16
